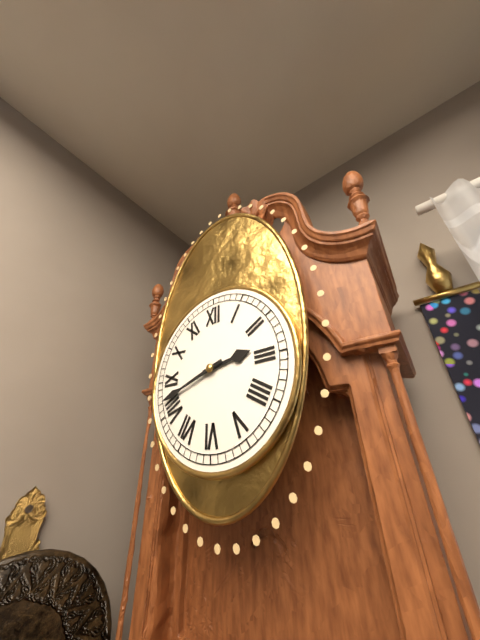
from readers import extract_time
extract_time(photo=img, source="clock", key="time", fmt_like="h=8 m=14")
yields h=2 m=42
